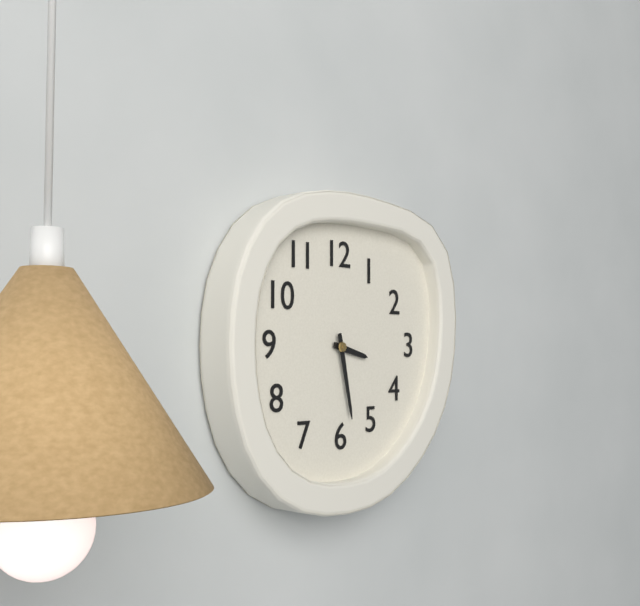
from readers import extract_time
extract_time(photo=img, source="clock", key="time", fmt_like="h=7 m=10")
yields h=3 m=28
